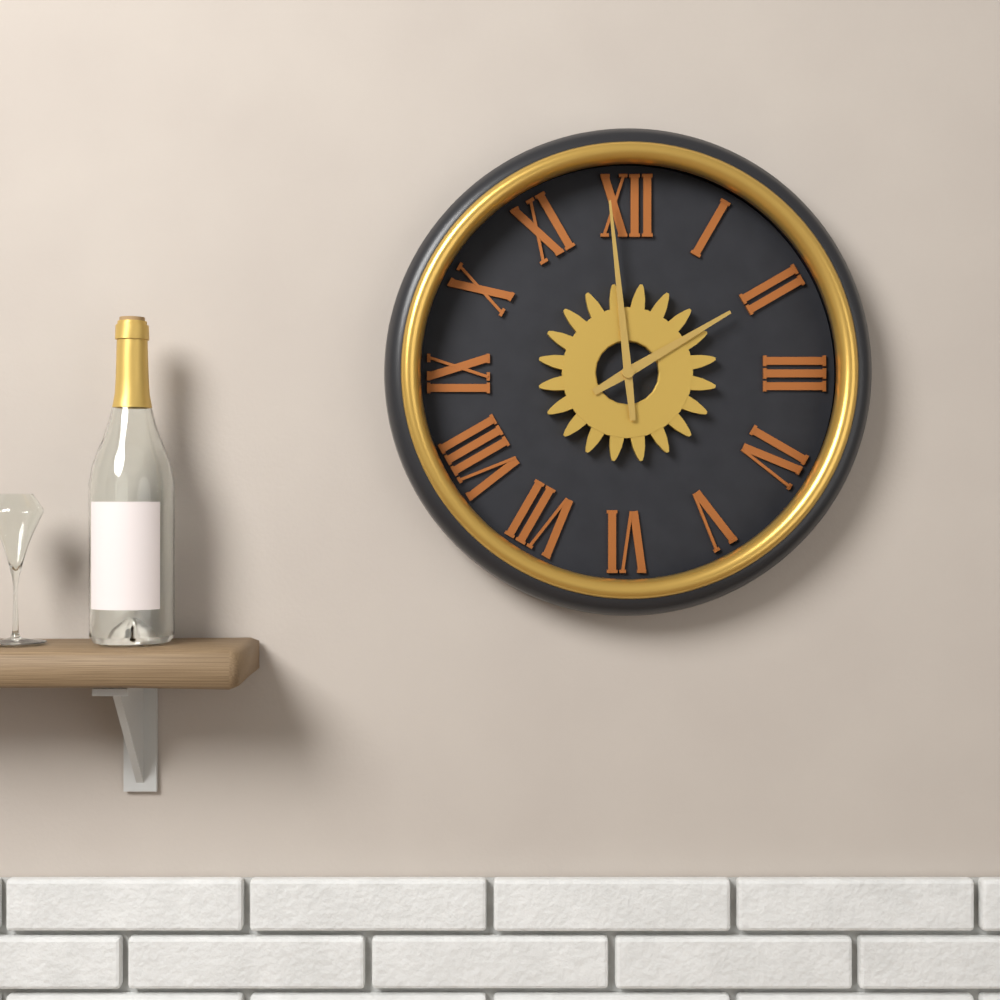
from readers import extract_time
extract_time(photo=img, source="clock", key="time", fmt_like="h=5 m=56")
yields h=1 m=59
